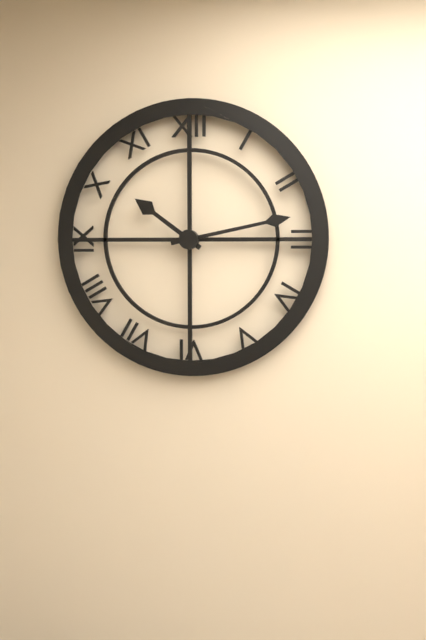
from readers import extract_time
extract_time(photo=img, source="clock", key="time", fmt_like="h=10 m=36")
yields h=10 m=13
